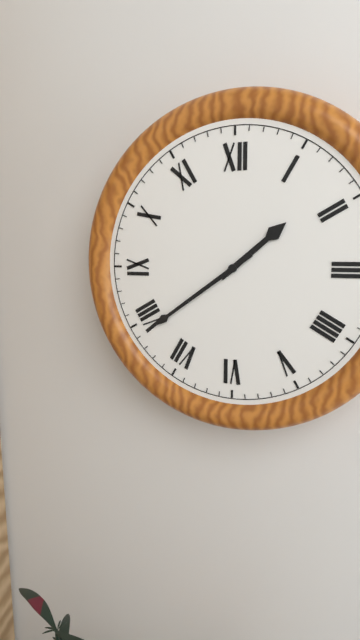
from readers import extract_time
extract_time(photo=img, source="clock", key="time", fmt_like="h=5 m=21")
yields h=1 m=39
